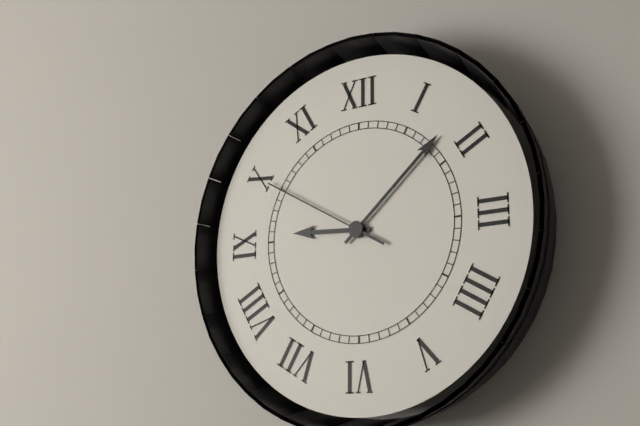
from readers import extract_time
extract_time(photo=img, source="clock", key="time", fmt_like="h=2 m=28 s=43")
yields h=9 m=8 s=50
